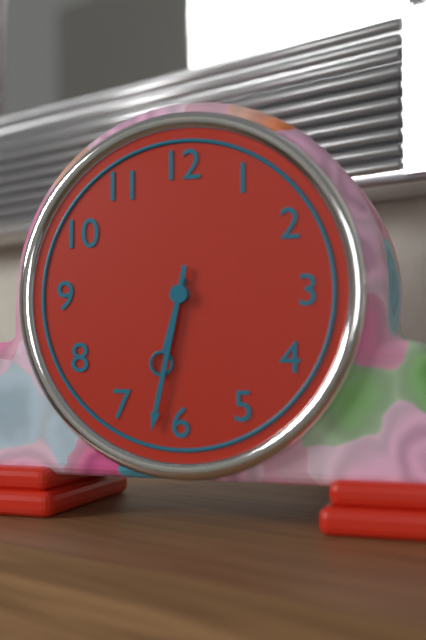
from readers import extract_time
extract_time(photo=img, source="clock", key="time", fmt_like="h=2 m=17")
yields h=6 m=32
